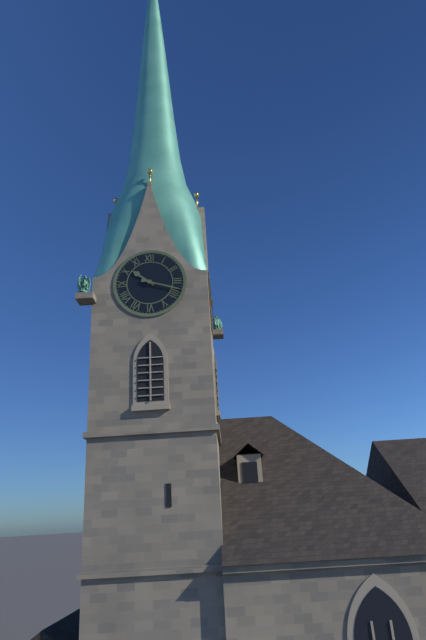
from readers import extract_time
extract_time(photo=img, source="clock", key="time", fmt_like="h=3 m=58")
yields h=10 m=18
